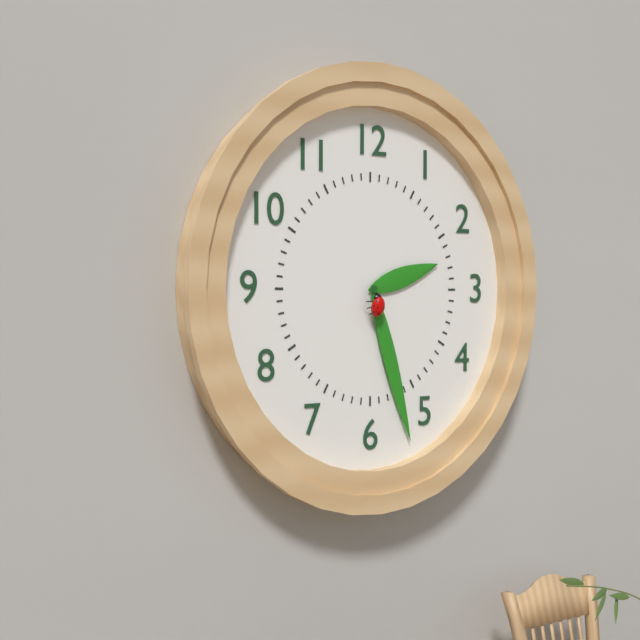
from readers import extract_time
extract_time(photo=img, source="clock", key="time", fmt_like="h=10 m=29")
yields h=2 m=27
